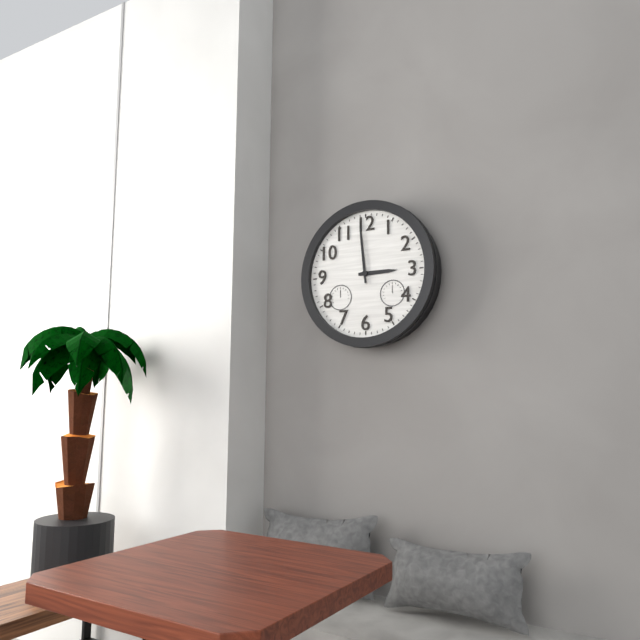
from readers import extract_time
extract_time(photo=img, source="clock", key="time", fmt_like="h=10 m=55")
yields h=2 m=59
